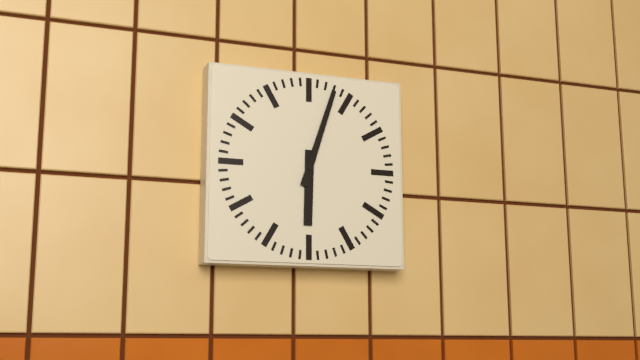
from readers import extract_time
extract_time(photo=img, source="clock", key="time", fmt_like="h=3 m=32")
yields h=6 m=3
